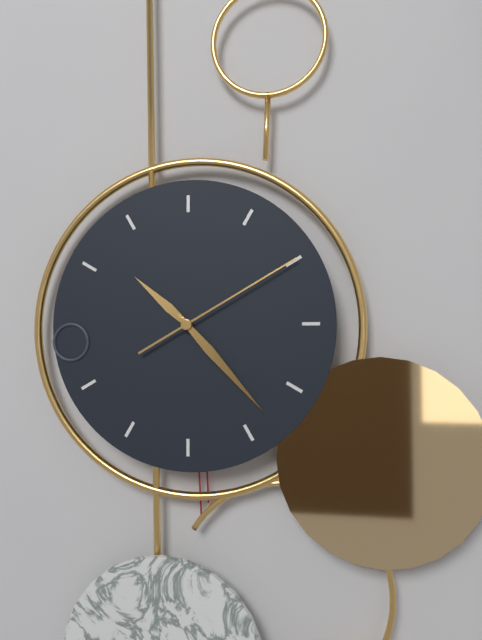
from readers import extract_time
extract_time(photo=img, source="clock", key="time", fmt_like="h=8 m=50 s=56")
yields h=10 m=23 s=10
